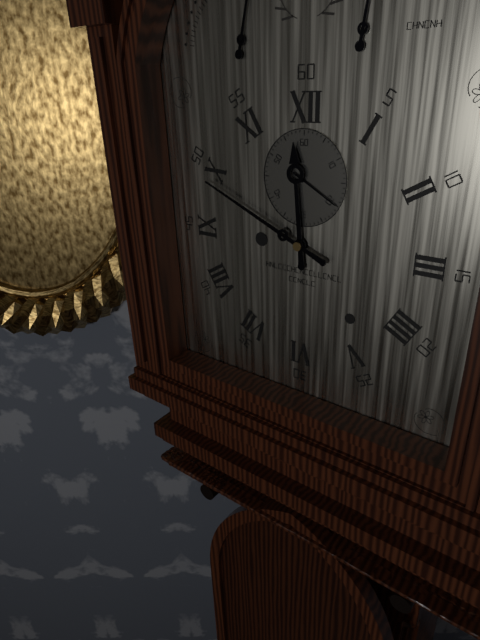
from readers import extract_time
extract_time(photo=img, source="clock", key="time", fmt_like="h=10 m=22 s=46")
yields h=11 m=49 s=20
